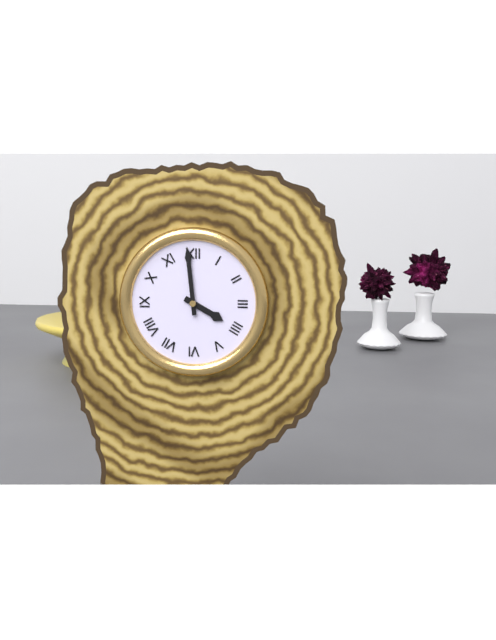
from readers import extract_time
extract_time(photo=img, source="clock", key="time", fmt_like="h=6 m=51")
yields h=3 m=59
